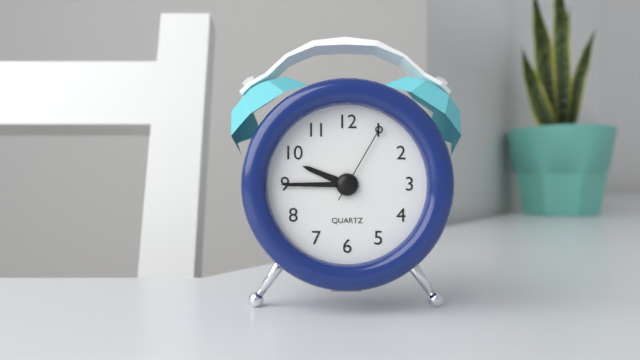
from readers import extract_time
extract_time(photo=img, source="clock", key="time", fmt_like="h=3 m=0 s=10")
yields h=9 m=45 s=5
